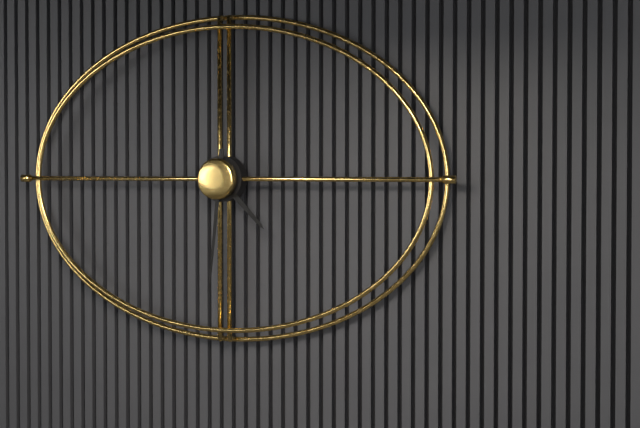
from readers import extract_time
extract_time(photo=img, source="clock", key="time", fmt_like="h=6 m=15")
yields h=4 m=31
